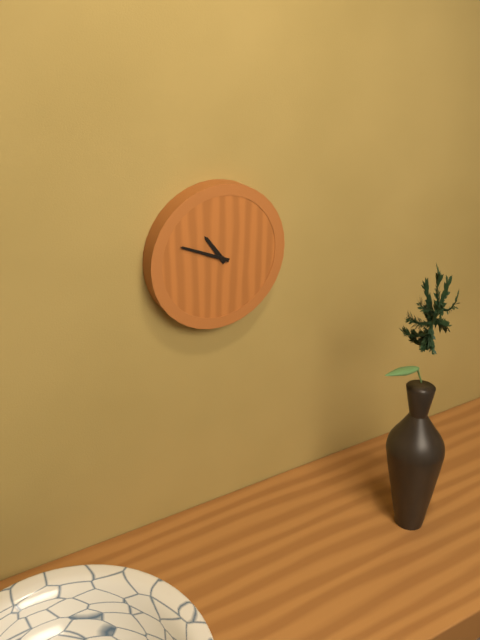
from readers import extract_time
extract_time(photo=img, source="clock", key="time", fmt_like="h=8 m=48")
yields h=10 m=49
